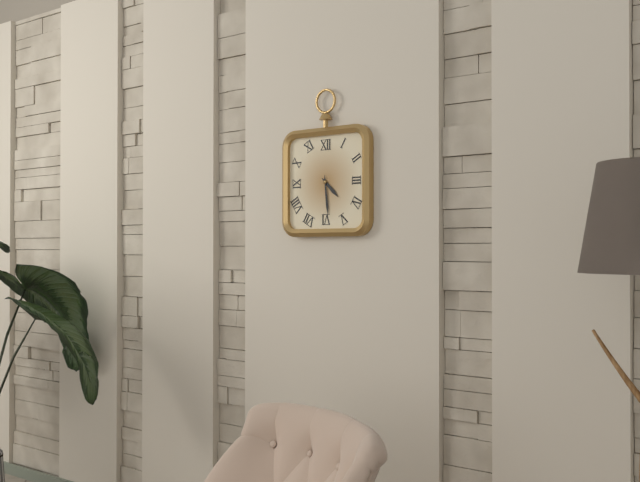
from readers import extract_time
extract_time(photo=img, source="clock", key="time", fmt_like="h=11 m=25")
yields h=4 m=29
